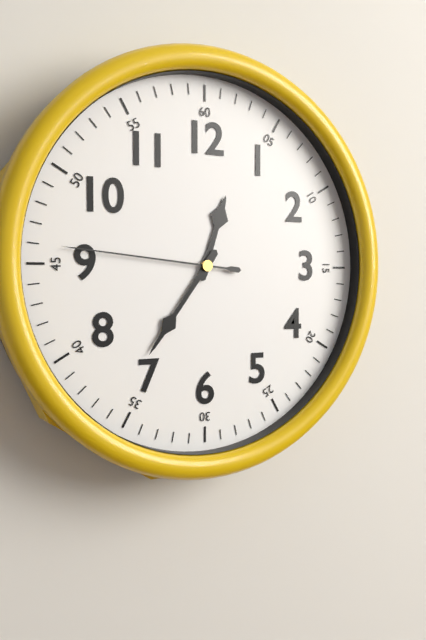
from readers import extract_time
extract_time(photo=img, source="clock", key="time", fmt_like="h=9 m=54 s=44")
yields h=12 m=36 s=46
